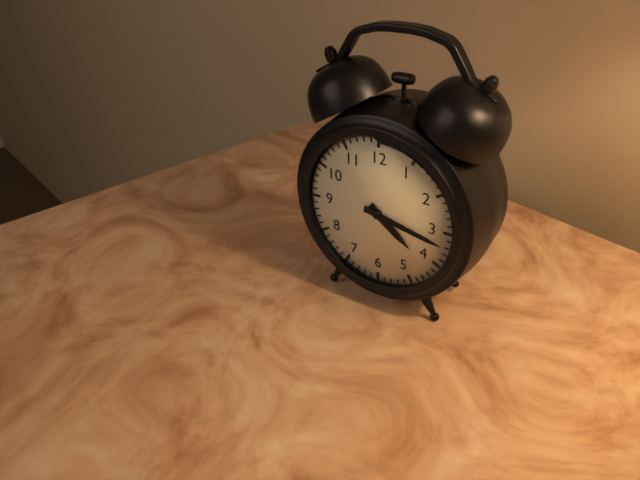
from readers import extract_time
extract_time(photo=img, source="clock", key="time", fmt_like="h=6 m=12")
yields h=4 m=17
